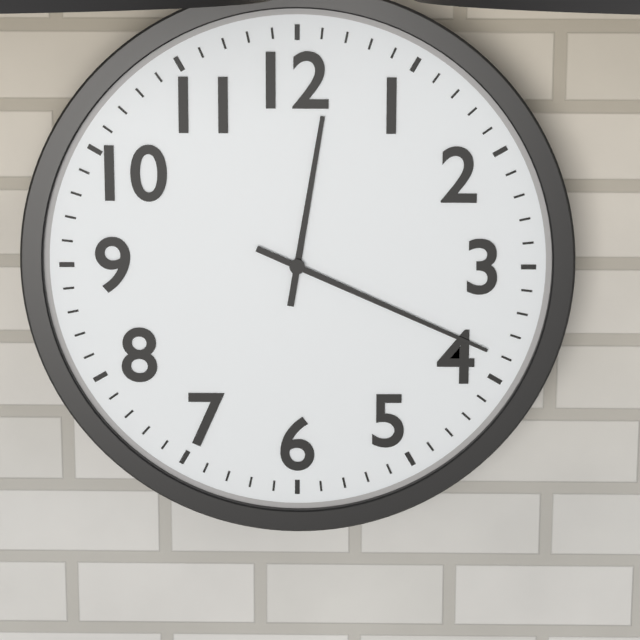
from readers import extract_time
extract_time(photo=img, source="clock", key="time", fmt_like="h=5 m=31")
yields h=12 m=19
